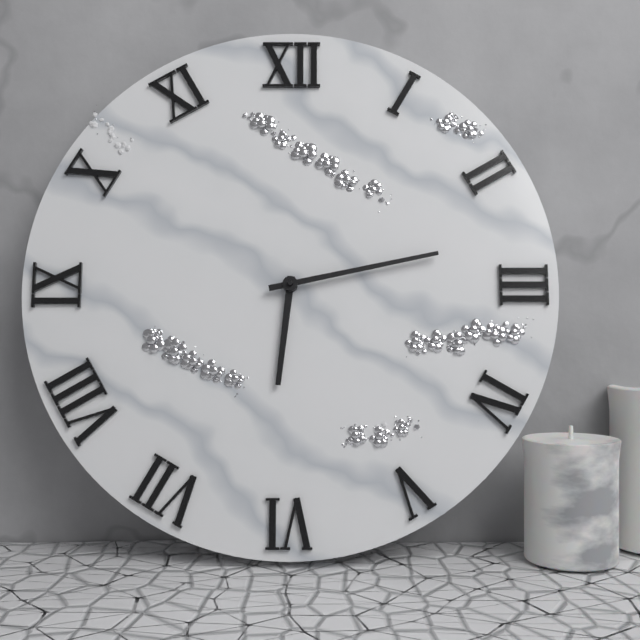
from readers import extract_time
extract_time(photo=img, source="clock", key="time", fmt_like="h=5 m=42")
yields h=6 m=13
